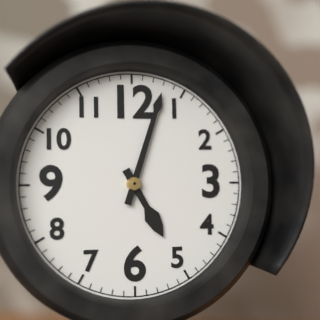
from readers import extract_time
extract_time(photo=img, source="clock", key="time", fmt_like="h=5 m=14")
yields h=5 m=3
